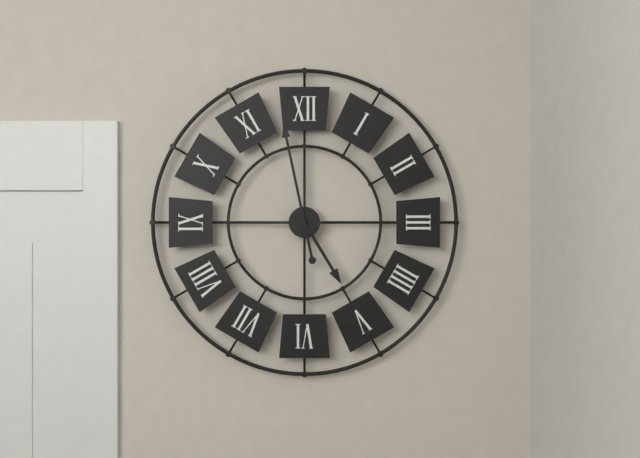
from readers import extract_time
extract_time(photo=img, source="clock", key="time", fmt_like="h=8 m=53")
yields h=4 m=58
